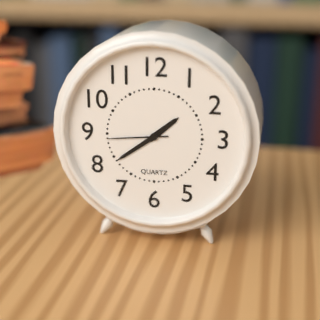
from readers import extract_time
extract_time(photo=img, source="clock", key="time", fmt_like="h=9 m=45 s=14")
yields h=1 m=39 s=44
